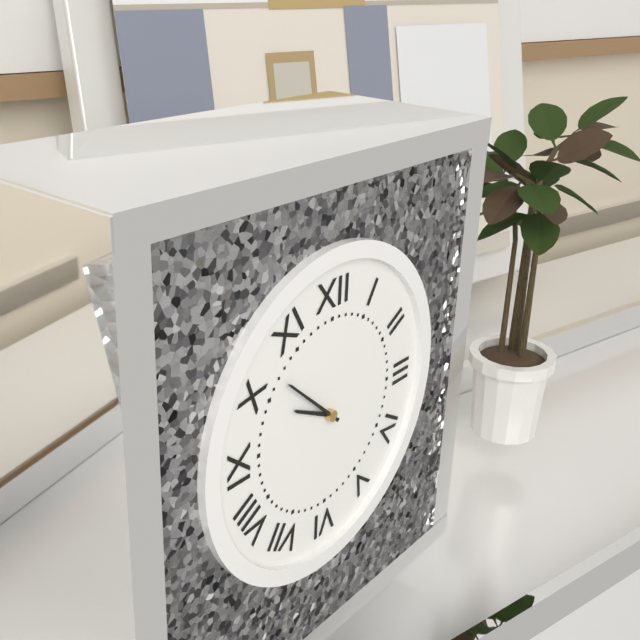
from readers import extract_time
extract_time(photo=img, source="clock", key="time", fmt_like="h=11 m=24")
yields h=9 m=52
